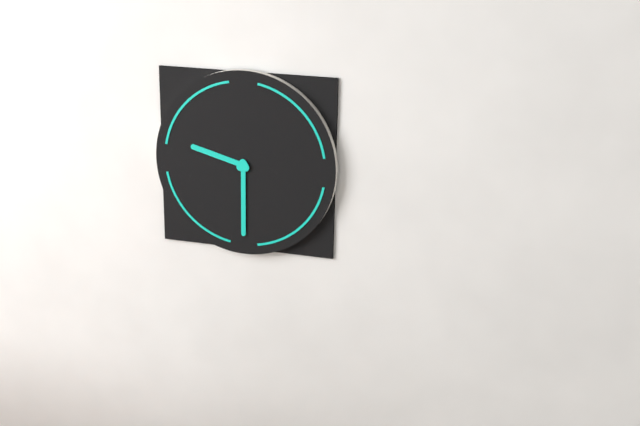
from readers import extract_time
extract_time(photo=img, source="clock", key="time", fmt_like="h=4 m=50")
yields h=9 m=30
